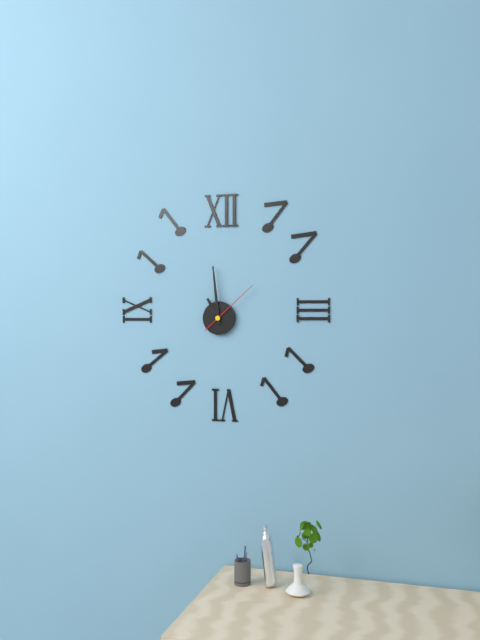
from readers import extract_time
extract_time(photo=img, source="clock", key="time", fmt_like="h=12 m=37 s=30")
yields h=10 m=59 s=8
